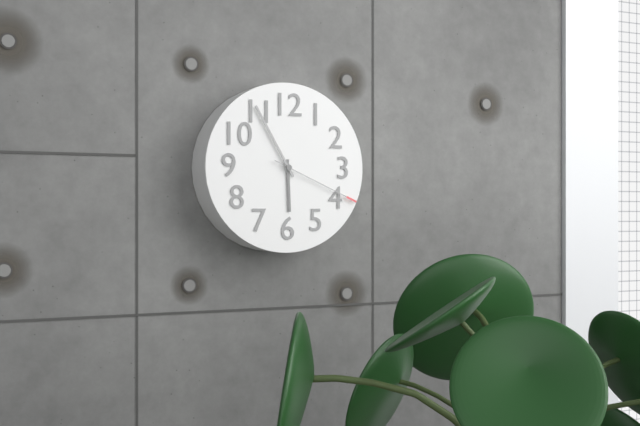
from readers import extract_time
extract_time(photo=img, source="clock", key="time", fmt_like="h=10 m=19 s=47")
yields h=5 m=55 s=19
